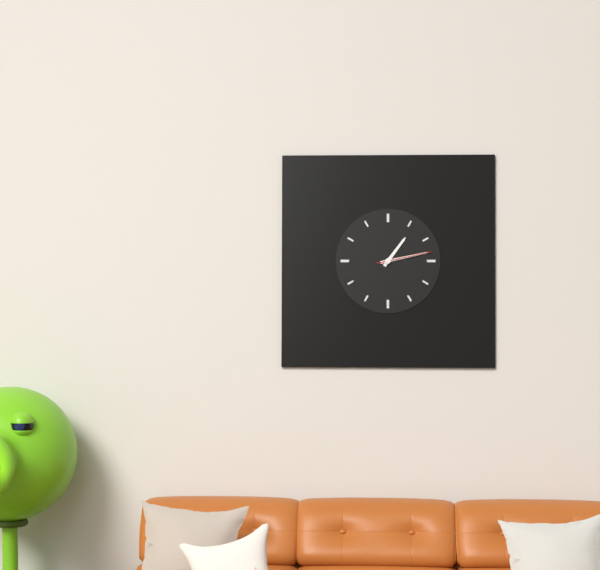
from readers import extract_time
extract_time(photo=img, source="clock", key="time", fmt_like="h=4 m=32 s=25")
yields h=1 m=13 s=13
